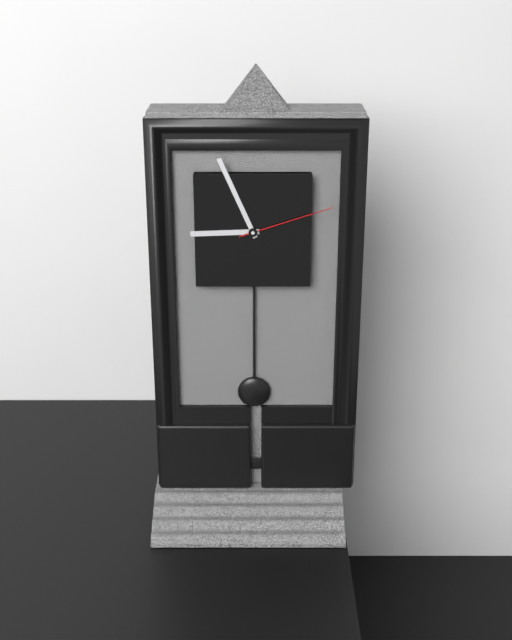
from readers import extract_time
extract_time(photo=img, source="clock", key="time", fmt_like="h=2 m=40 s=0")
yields h=8 m=56 s=12
